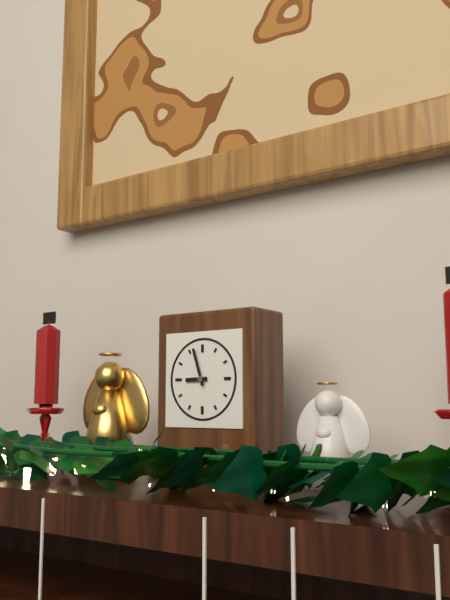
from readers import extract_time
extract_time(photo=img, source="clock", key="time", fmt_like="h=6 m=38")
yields h=8 m=57
